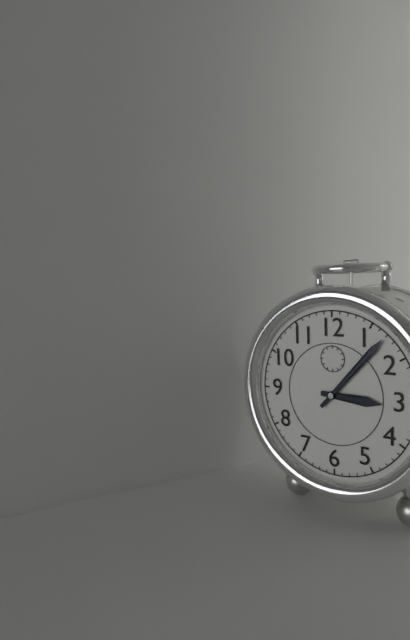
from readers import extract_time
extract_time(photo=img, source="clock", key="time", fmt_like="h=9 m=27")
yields h=3 m=7
